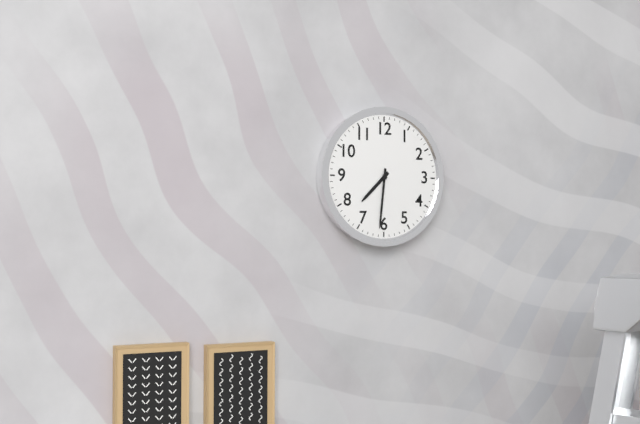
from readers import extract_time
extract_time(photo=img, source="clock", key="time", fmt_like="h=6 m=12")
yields h=7 m=31
